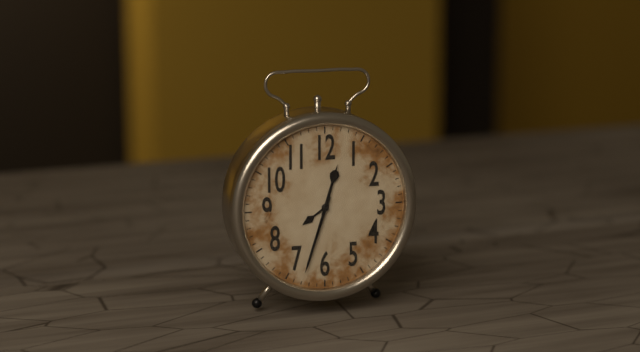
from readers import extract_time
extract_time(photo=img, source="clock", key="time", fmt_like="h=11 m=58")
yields h=12 m=33
